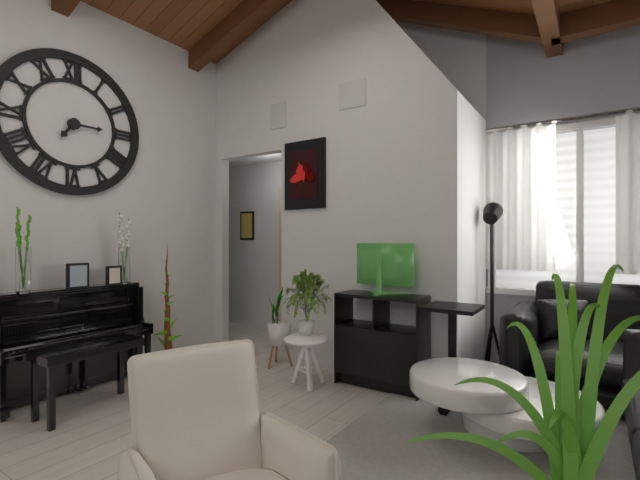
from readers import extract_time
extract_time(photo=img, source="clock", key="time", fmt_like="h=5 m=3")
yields h=7 m=15
